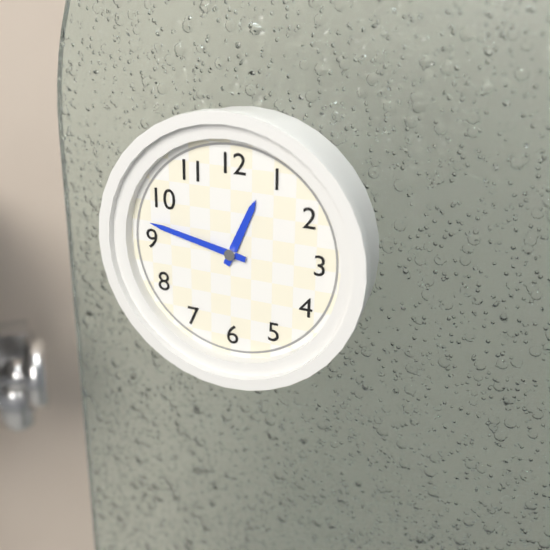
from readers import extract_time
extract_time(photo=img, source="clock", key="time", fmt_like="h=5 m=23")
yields h=12 m=47
